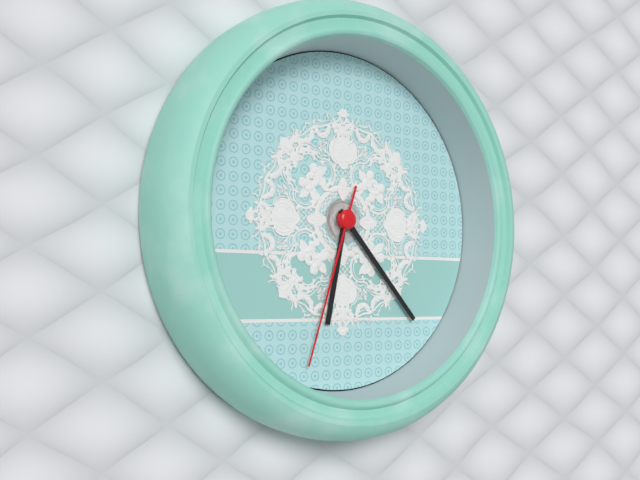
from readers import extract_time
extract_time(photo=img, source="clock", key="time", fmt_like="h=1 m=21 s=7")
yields h=6 m=23 s=33
